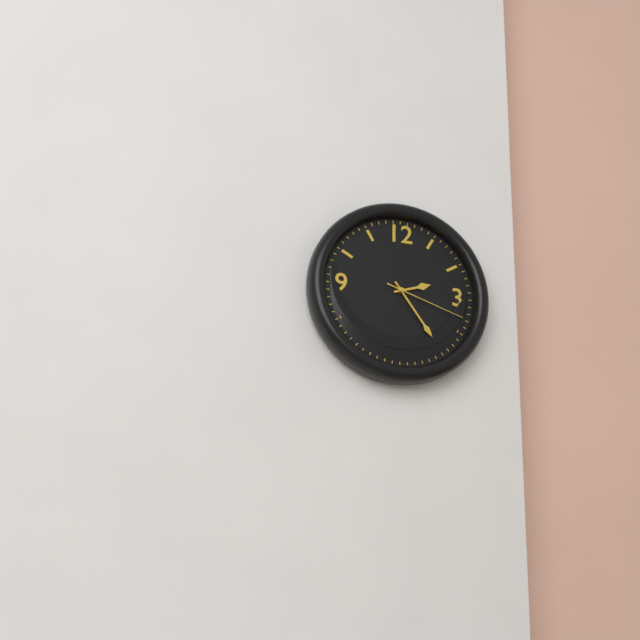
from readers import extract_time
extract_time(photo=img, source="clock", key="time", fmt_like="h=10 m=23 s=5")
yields h=2 m=24 s=18
